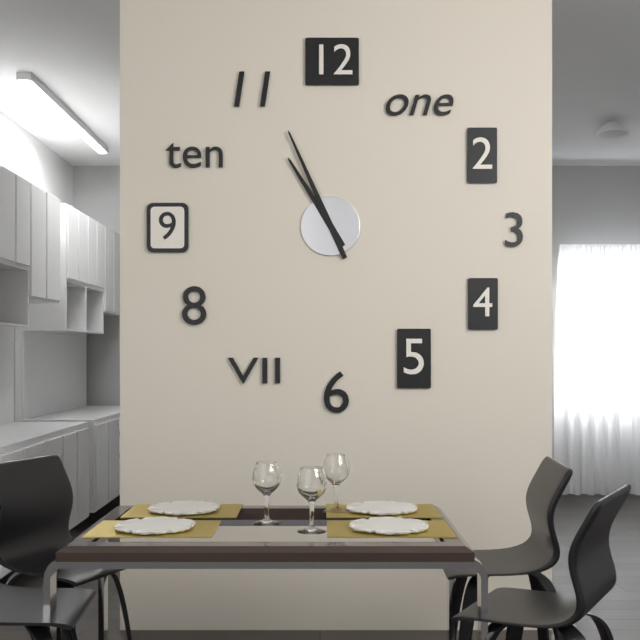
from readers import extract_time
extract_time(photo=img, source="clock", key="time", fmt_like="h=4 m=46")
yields h=10 m=56
